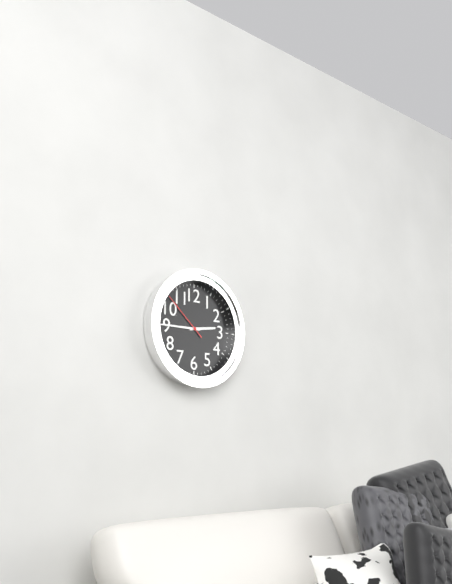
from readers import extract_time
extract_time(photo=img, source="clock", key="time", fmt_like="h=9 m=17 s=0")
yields h=2 m=45 s=52
